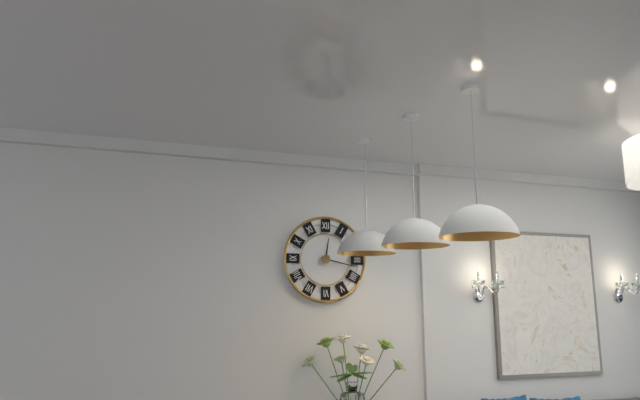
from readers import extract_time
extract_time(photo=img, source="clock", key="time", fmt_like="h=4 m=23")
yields h=12 m=17
